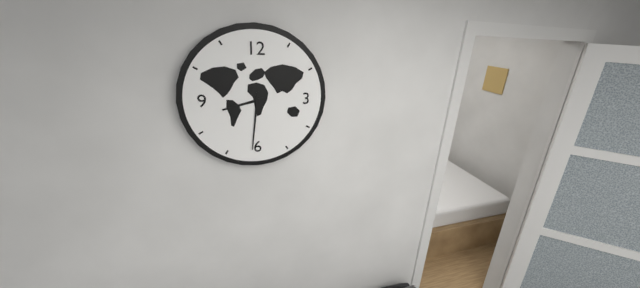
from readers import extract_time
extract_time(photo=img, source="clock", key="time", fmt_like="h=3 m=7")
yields h=8 m=31
